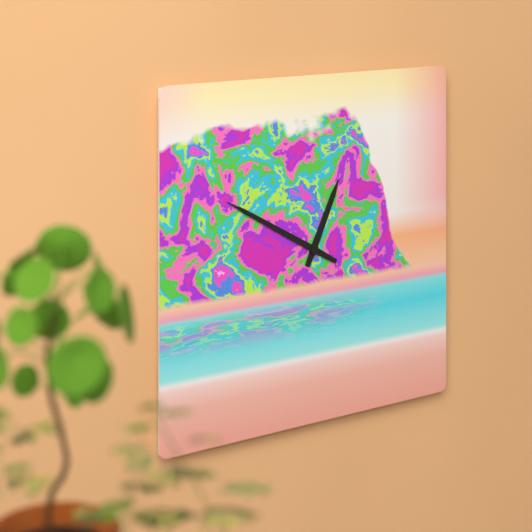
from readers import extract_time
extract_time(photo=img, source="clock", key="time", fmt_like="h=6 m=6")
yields h=12 m=50
